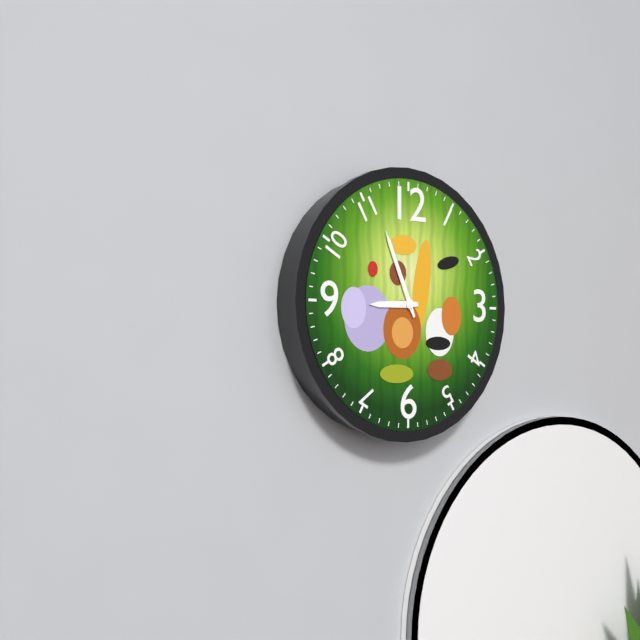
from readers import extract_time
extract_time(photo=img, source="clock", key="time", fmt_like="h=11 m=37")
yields h=8 m=56
